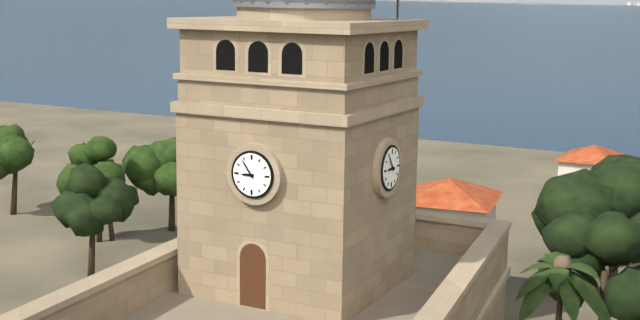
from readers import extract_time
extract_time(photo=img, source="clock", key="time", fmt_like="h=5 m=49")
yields h=8 m=54
